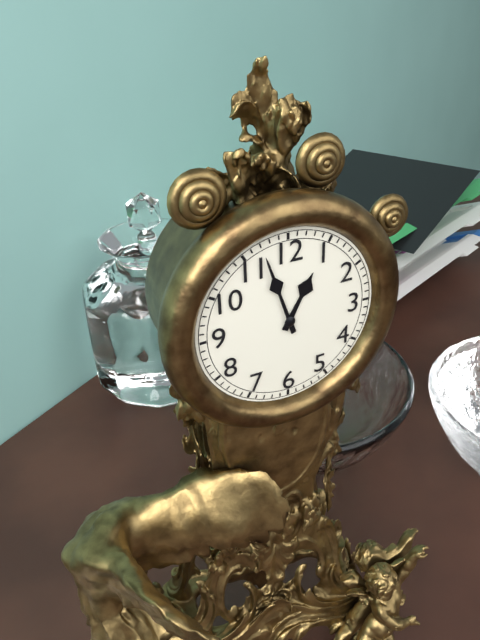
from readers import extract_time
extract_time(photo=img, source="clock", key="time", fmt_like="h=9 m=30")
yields h=12 m=57
